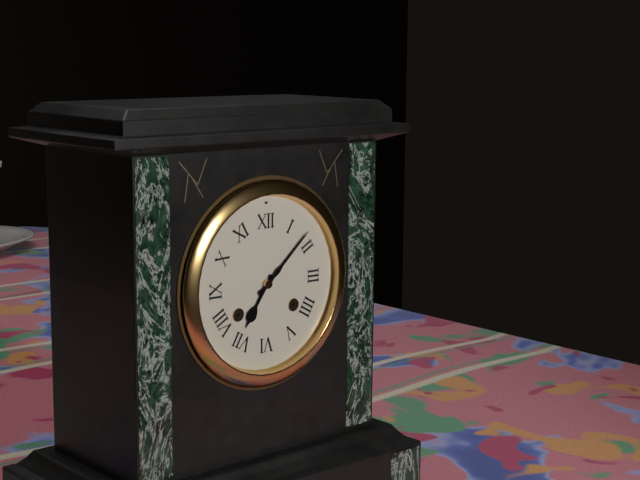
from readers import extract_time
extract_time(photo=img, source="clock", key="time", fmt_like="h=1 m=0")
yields h=7 m=8
